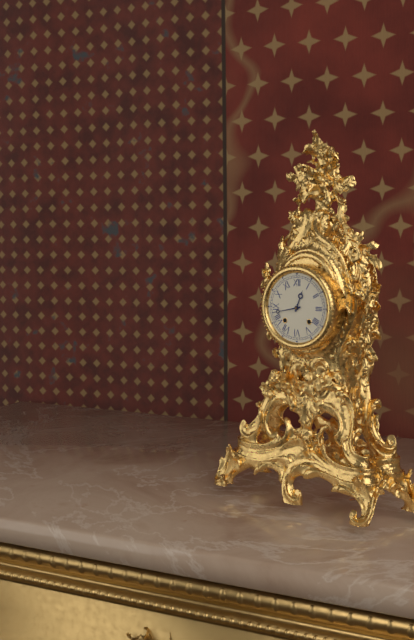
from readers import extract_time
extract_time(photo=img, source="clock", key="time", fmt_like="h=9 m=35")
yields h=12 m=43
